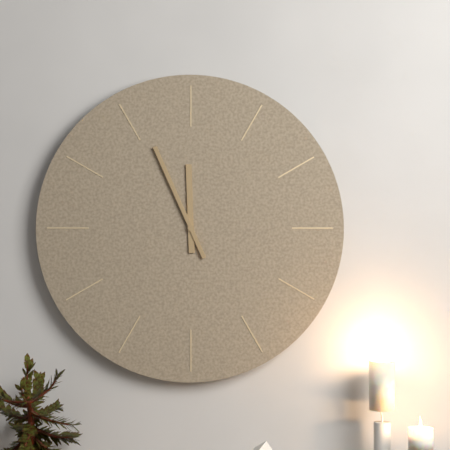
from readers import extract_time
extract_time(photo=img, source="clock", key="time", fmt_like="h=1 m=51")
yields h=11 m=56
